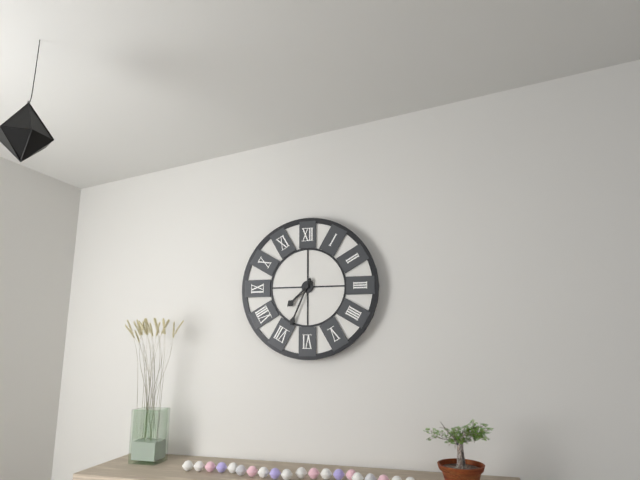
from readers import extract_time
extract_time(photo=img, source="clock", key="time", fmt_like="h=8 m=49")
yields h=7 m=34
